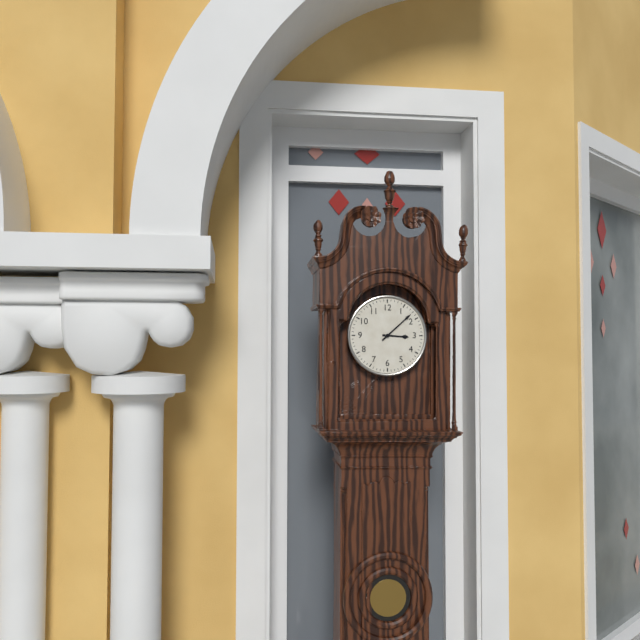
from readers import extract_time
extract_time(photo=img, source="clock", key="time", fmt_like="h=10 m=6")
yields h=3 m=8
